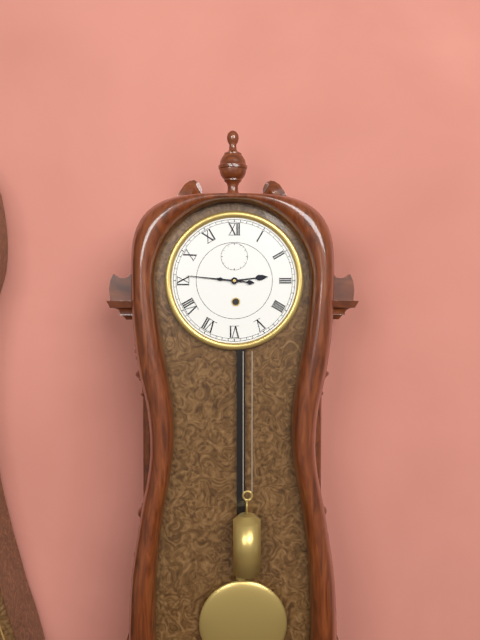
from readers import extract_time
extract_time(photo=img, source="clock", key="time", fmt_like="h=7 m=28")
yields h=2 m=46
